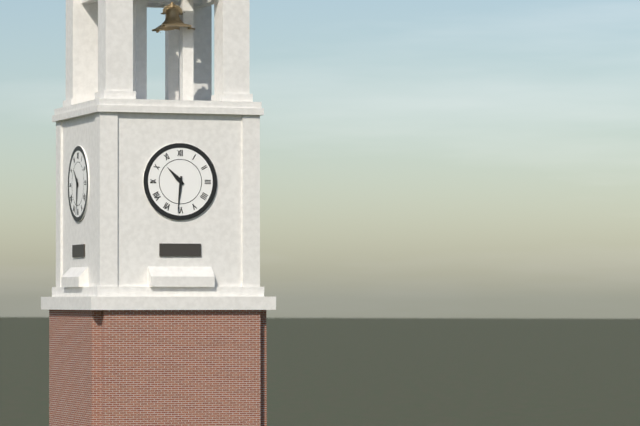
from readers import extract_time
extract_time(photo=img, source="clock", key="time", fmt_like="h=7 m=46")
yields h=10 m=31
